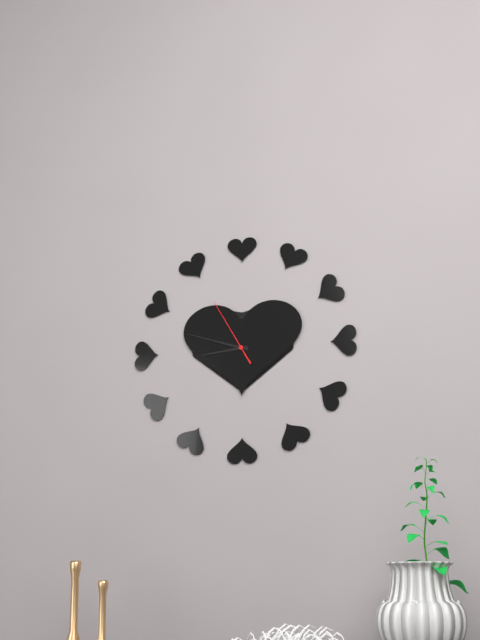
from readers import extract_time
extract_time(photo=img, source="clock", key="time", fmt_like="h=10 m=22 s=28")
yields h=8 m=48 s=55
